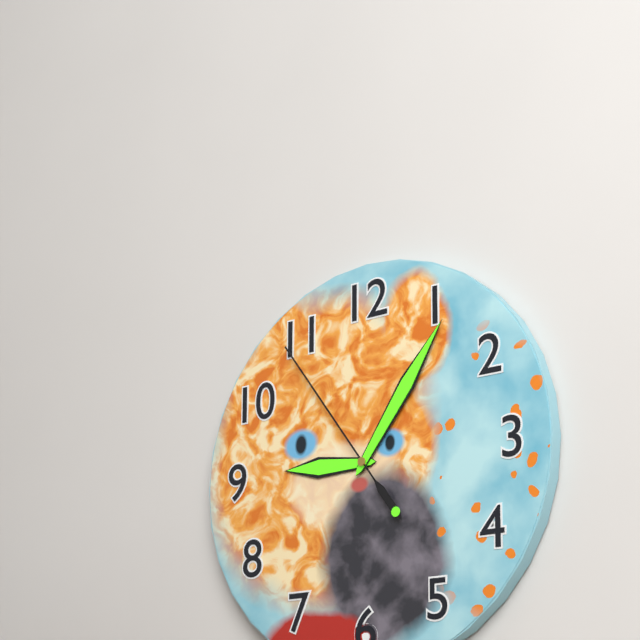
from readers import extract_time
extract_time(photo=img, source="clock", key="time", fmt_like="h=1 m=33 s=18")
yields h=9 m=6 s=54
